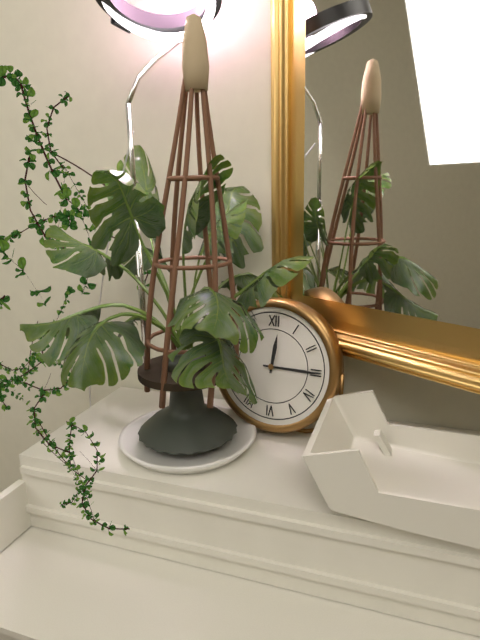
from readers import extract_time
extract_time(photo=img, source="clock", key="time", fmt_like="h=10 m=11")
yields h=12 m=15
